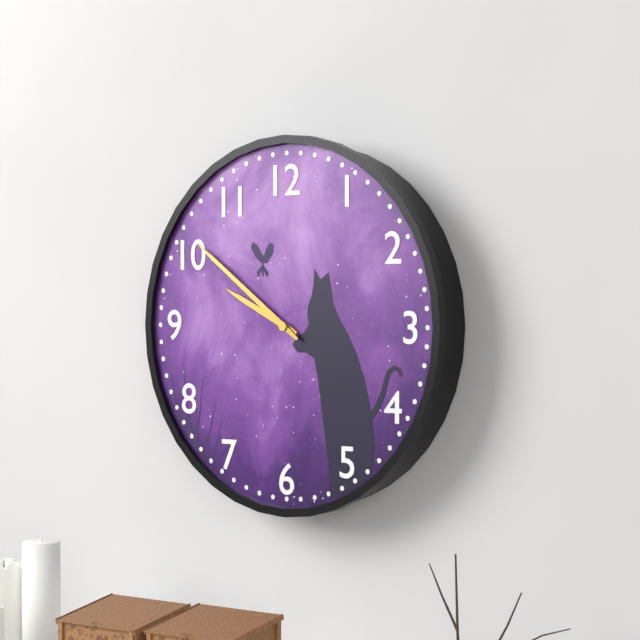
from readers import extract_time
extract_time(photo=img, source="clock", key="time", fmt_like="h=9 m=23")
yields h=9 m=51
